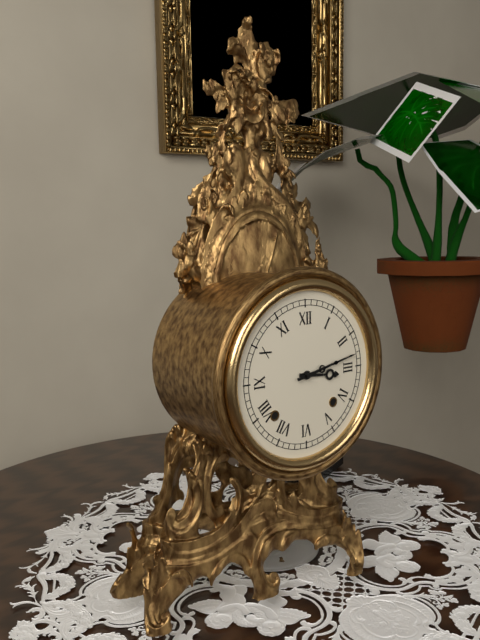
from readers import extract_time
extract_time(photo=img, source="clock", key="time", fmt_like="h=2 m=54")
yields h=3 m=13
